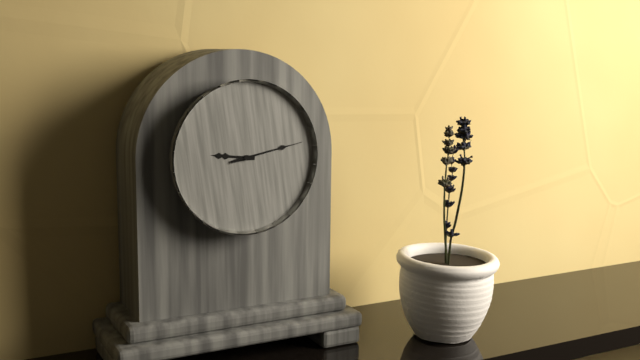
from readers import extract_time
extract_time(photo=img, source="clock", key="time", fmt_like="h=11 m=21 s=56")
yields h=9 m=13 s=13
